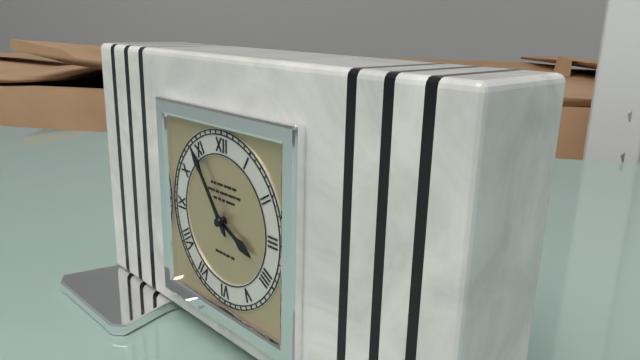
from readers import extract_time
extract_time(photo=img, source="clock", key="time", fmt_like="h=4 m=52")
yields h=3 m=54
